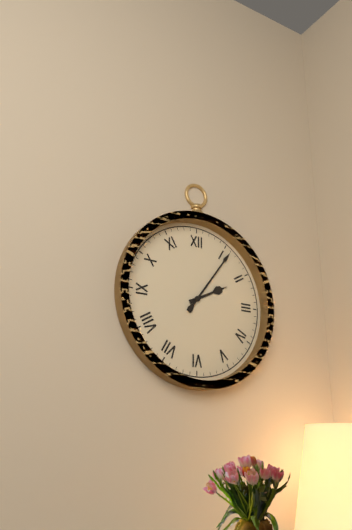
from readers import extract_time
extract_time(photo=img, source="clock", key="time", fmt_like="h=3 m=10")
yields h=2 m=6
